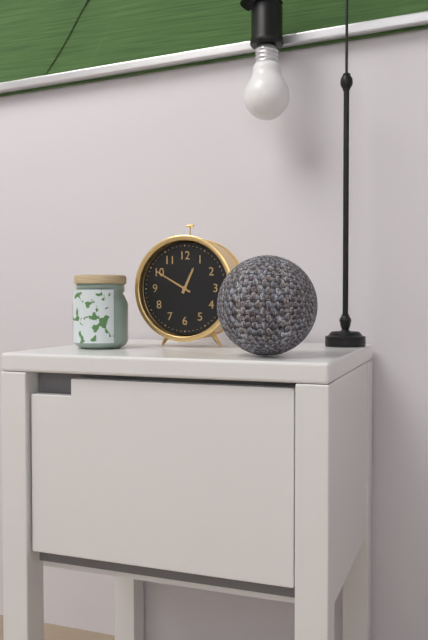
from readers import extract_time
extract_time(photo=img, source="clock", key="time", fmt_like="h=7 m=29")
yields h=12 m=50
